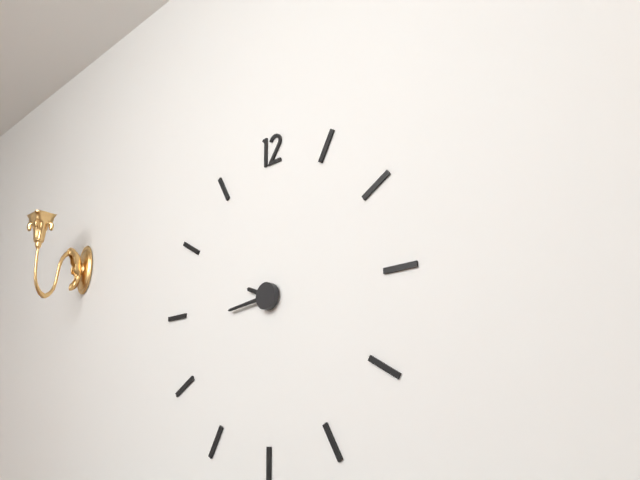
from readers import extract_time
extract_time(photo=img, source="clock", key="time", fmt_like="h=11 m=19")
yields h=9 m=44
